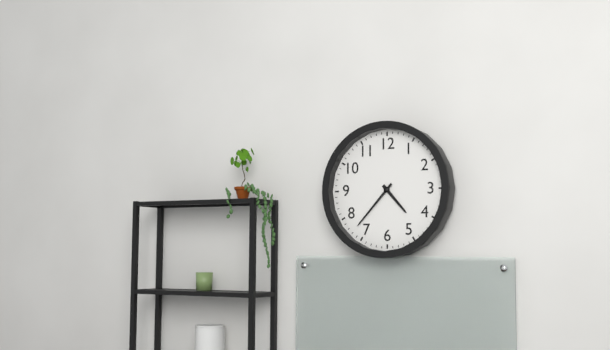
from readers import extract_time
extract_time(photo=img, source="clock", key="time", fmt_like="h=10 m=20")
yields h=4 m=37
